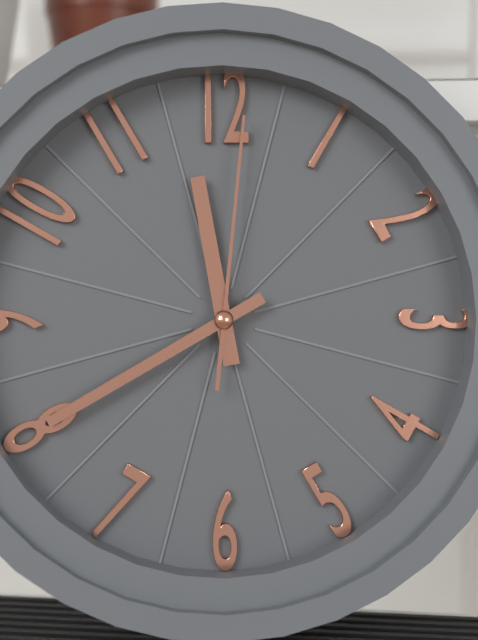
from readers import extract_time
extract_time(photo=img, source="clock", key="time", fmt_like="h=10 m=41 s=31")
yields h=11 m=40 s=1
